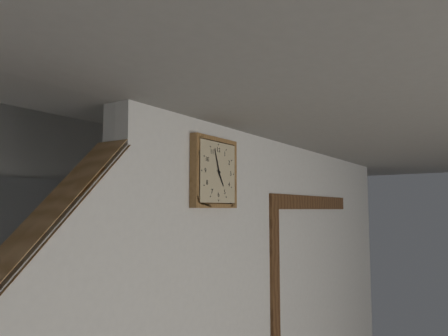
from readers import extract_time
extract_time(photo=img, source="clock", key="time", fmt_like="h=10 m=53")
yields h=4 m=57
